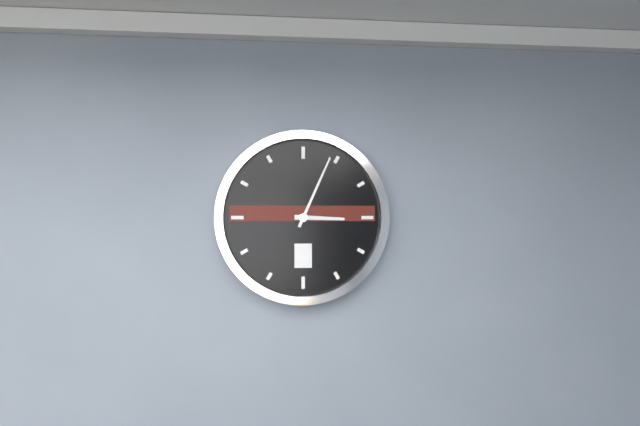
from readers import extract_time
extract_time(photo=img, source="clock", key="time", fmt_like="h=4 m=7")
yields h=3 m=4
